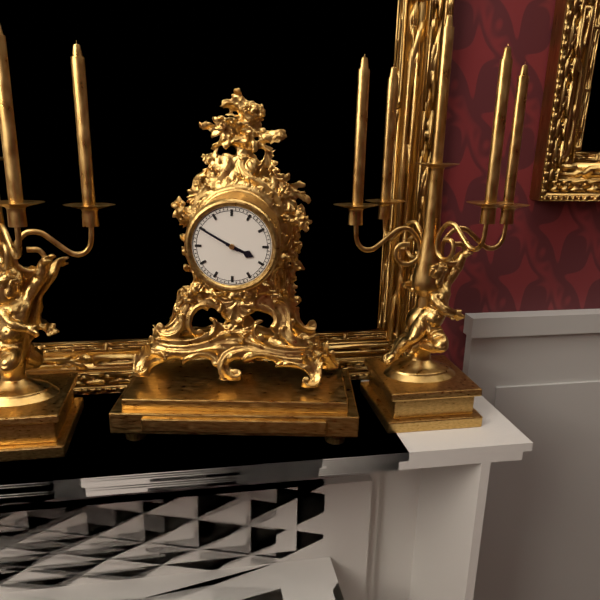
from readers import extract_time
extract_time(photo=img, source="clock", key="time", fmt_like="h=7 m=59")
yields h=3 m=50
